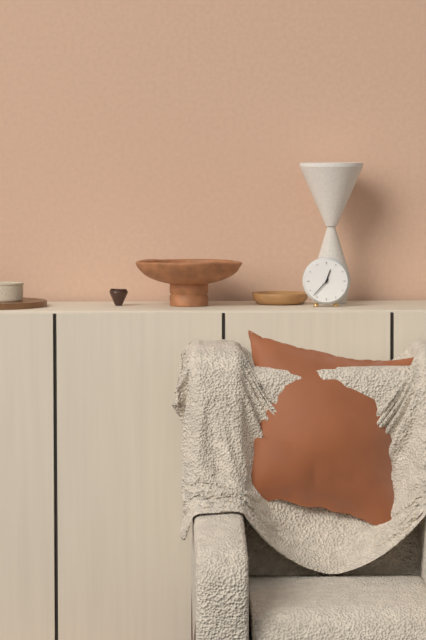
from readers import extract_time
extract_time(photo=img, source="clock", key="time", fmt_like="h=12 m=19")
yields h=12 m=37
